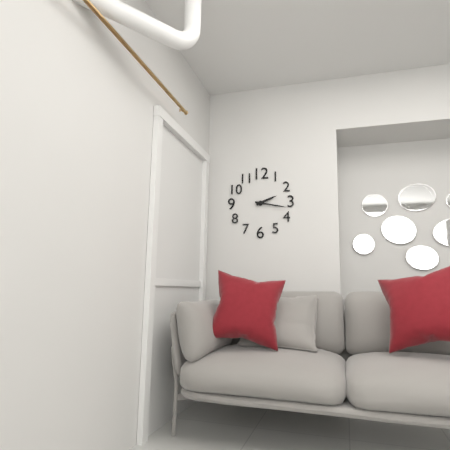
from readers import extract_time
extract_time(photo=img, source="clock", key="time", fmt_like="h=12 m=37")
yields h=2 m=17
